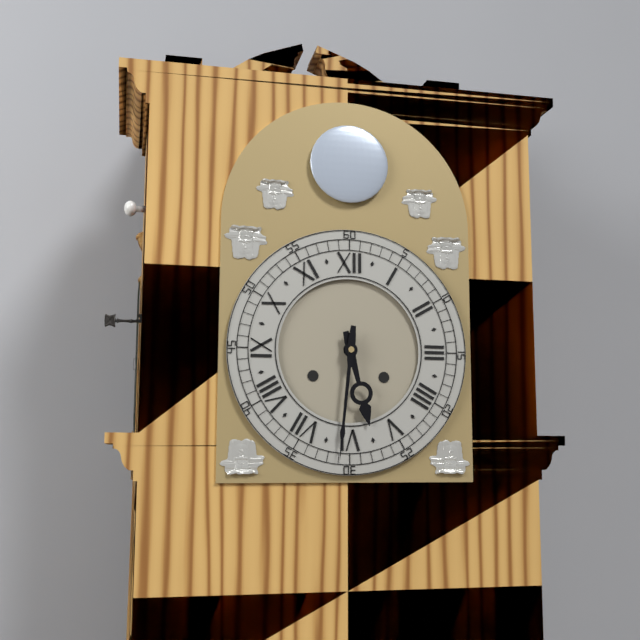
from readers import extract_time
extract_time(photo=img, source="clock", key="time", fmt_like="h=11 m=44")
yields h=5 m=31
